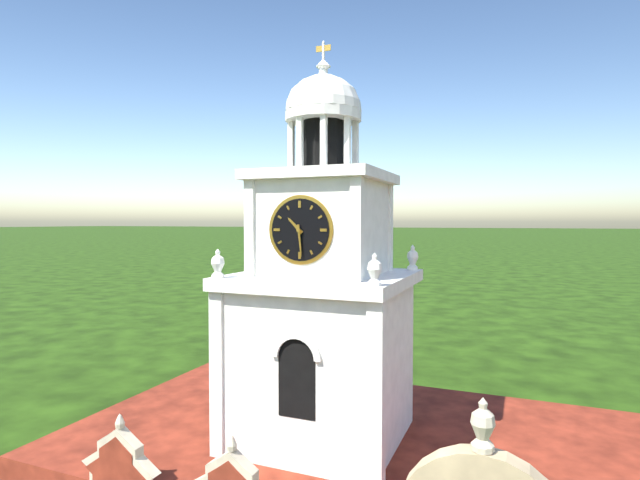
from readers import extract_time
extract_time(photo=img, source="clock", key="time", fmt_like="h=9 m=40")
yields h=10 m=29
